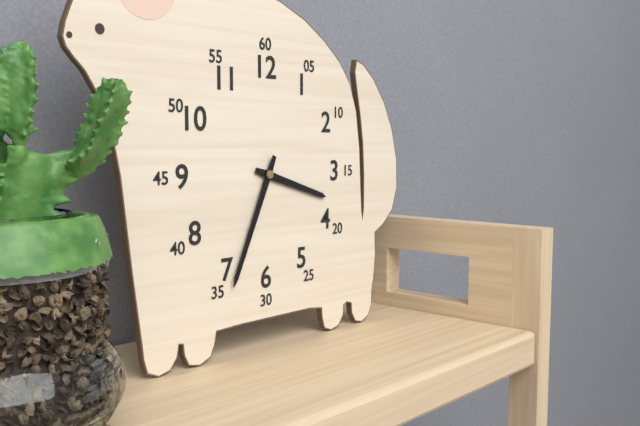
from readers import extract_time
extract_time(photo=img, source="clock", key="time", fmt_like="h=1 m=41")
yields h=3 m=34
